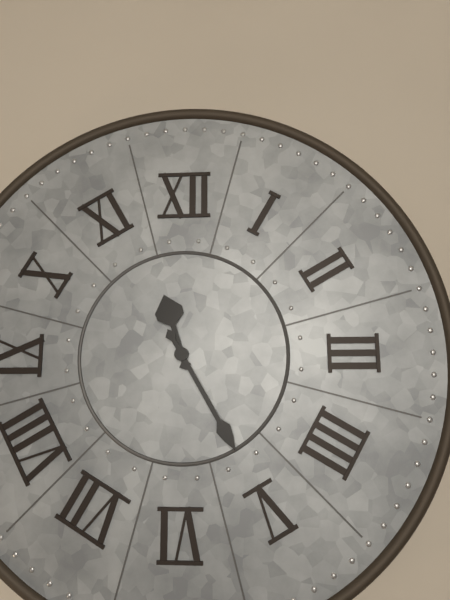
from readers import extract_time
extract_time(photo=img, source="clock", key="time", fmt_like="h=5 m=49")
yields h=11 m=25
